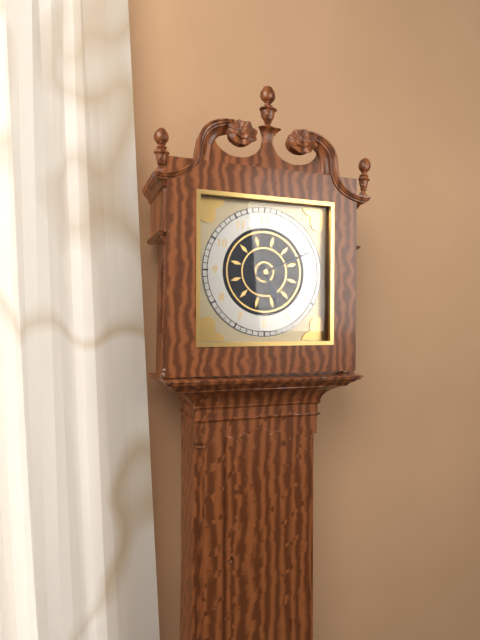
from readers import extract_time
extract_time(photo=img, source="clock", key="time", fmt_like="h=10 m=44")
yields h=5 m=11
